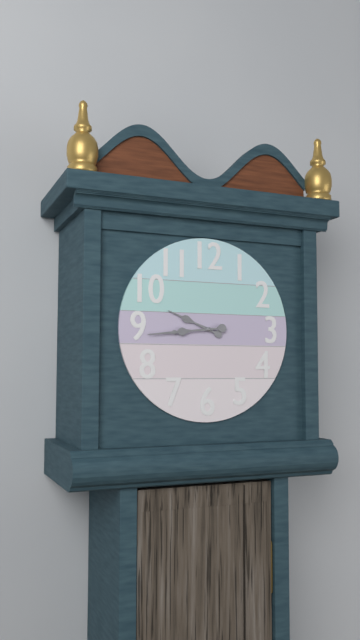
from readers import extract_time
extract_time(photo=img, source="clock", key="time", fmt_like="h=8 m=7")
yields h=9 m=44
